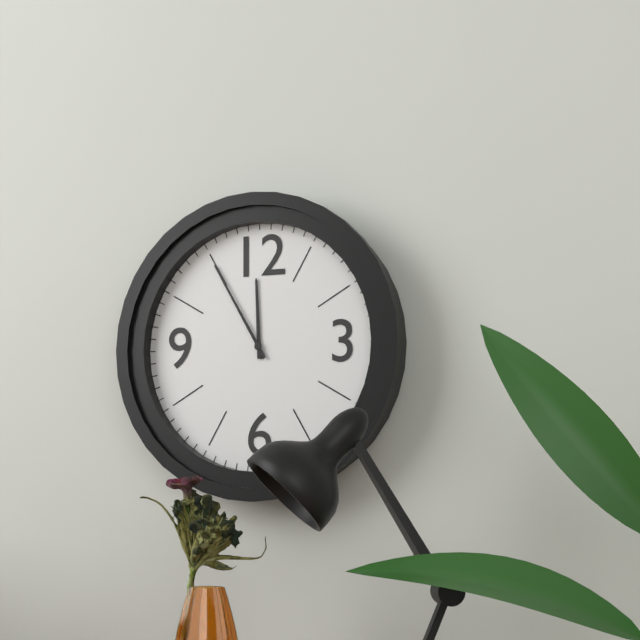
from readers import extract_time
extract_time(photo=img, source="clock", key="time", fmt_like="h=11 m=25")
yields h=11 m=55
